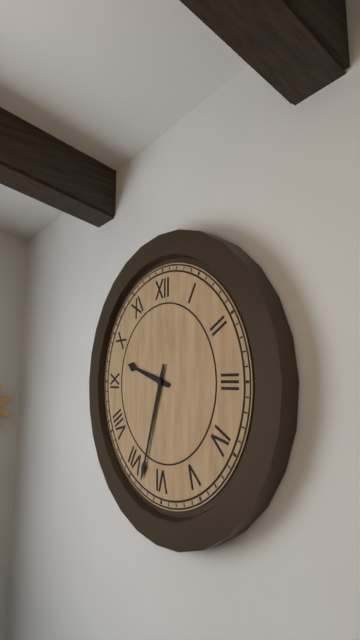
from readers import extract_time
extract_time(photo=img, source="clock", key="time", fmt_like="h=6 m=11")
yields h=9 m=33
